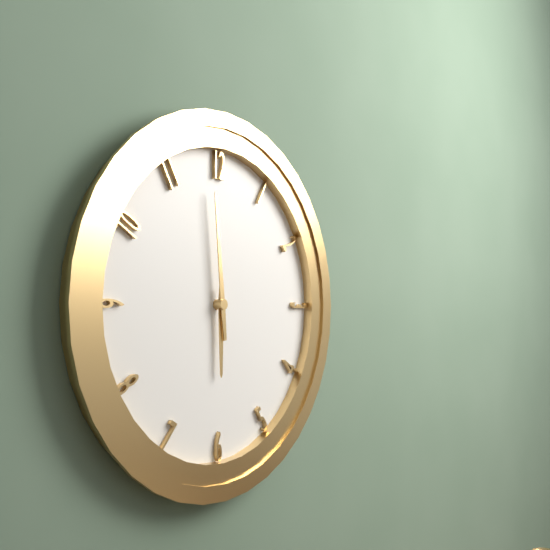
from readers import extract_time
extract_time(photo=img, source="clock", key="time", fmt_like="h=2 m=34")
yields h=5 m=59
